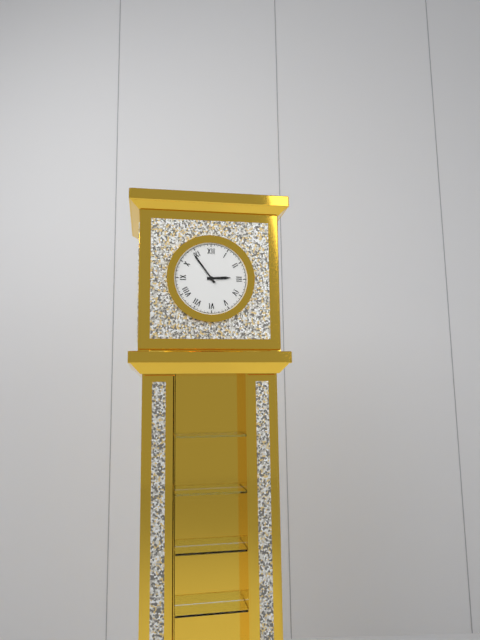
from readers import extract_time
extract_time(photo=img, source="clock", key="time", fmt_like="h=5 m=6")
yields h=2 m=54
